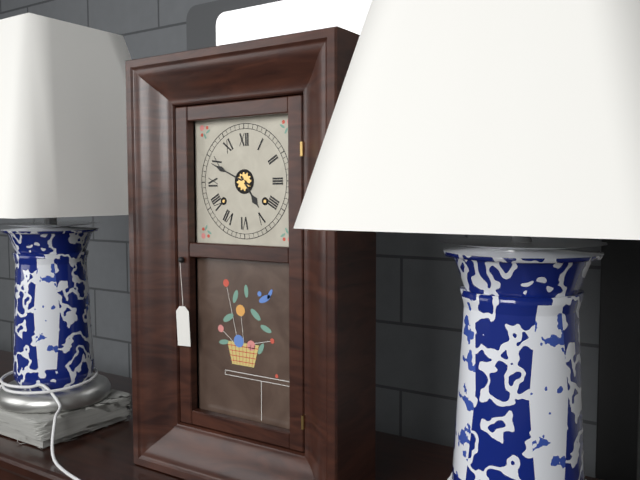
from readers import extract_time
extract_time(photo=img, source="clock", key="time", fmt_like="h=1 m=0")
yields h=4 m=49
